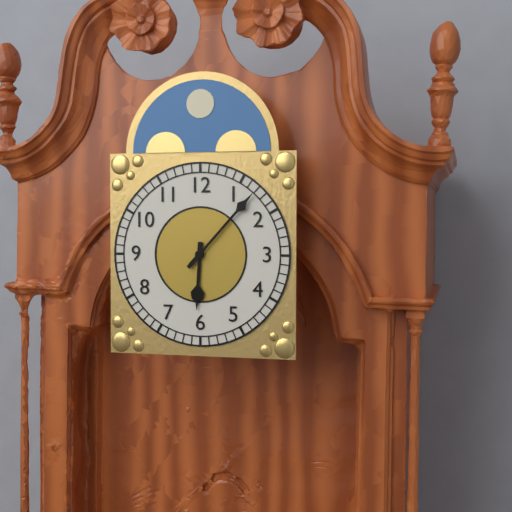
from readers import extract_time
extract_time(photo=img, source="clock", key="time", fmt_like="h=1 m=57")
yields h=6 m=7
